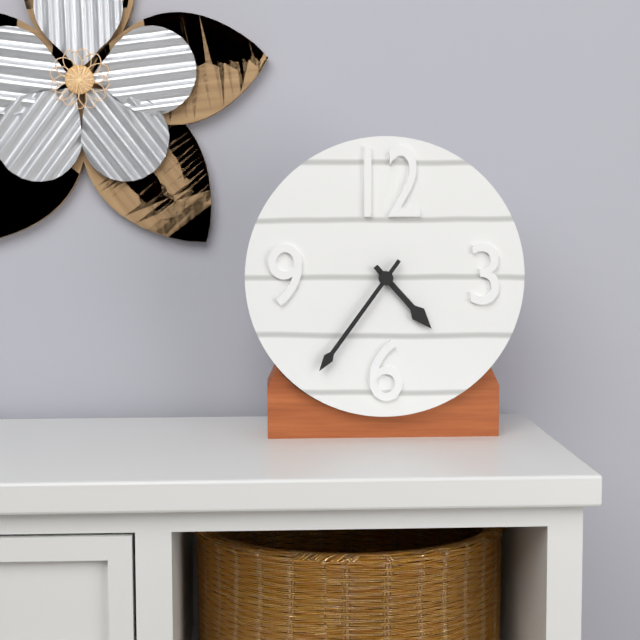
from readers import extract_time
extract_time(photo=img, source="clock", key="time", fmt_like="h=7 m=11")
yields h=4 m=36
